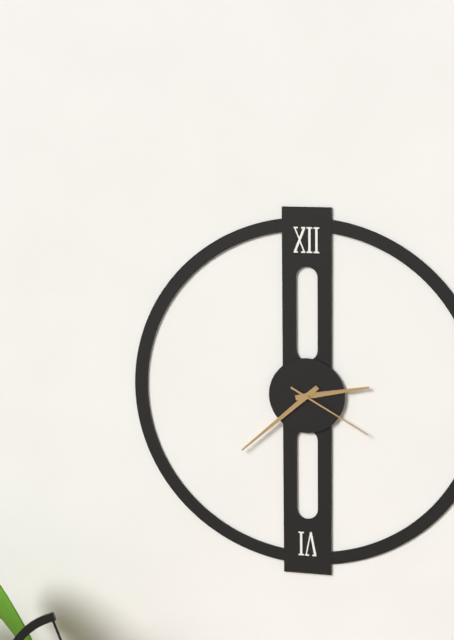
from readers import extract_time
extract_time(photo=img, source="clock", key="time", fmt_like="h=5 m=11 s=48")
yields h=2 m=38 s=20
